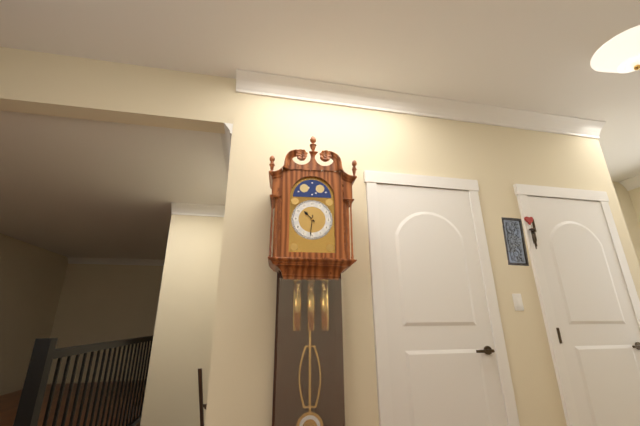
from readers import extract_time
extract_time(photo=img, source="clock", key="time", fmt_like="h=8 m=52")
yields h=10 m=31
